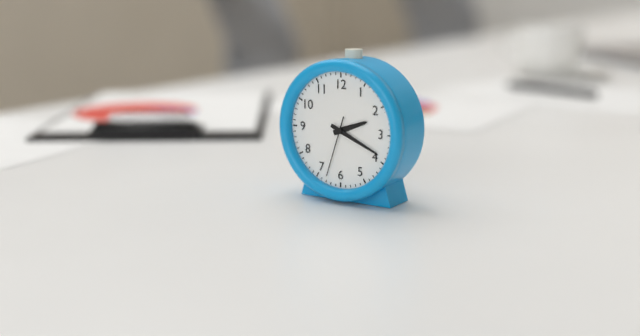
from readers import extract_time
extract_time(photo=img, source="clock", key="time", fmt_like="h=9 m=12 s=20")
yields h=2 m=19 s=33
